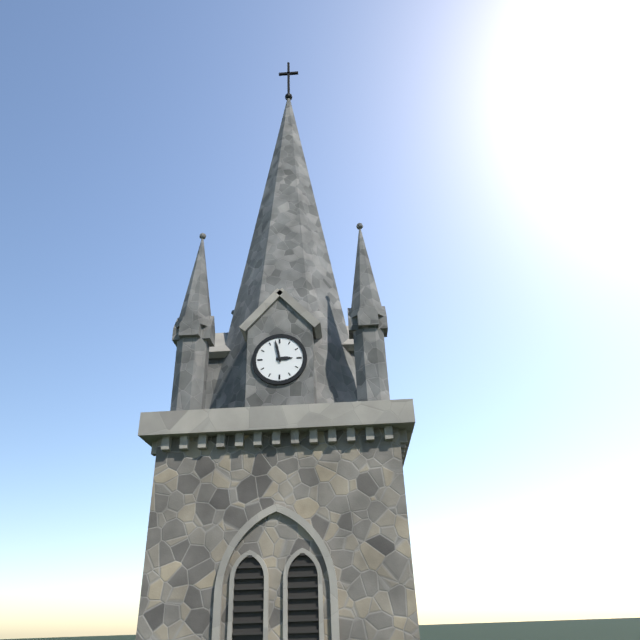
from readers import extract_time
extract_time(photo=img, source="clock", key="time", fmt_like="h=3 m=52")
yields h=2 m=58
